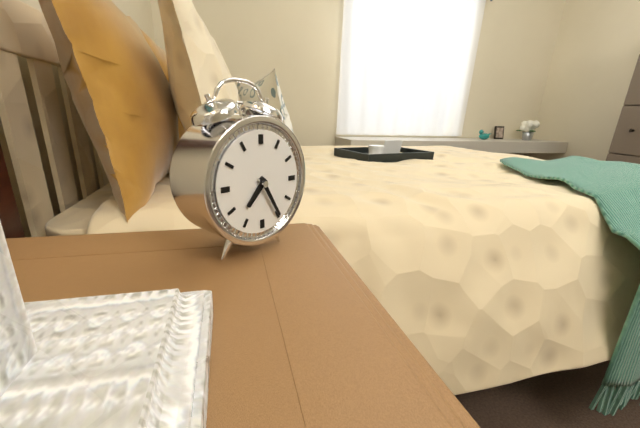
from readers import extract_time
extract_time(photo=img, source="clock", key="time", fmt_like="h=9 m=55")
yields h=7 m=25
